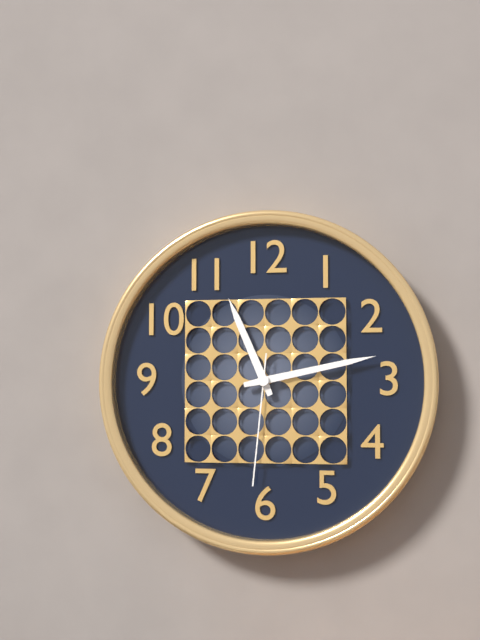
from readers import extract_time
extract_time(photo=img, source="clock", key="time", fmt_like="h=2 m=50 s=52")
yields h=11 m=13 s=31
